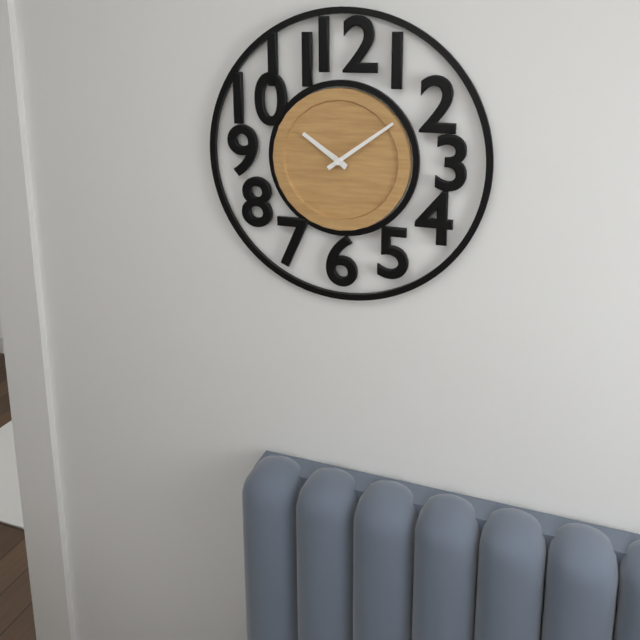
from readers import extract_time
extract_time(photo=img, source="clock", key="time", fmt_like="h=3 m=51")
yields h=10 m=9
